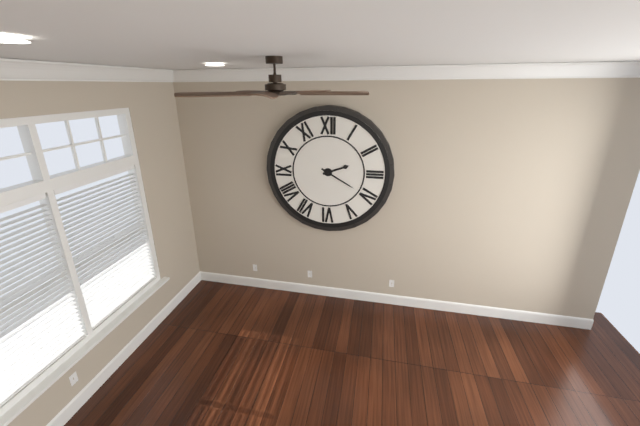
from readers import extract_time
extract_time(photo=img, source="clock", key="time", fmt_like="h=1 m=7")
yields h=2 m=20
